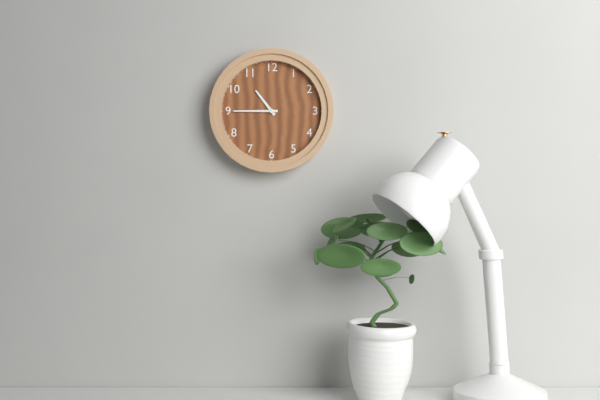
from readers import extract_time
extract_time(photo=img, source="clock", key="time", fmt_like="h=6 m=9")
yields h=10 m=45
